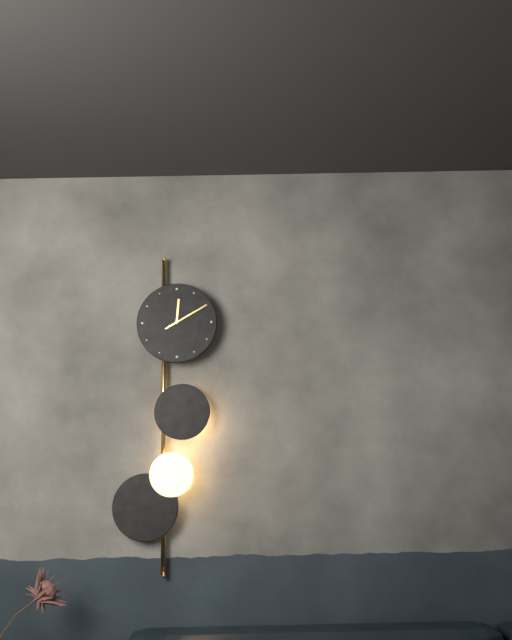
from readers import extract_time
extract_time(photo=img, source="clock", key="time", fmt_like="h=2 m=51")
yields h=12 m=10
